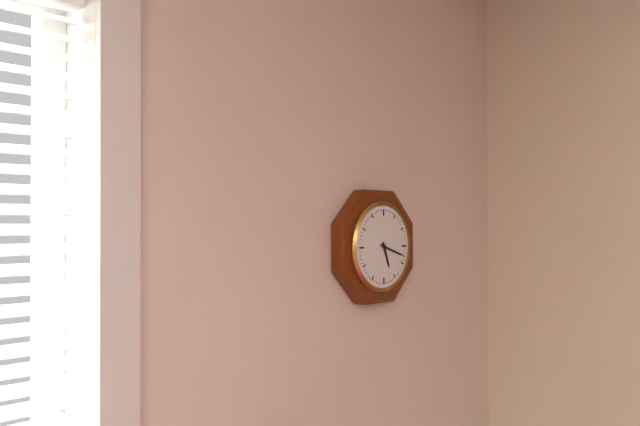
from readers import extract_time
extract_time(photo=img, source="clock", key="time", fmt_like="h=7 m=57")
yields h=5 m=18
